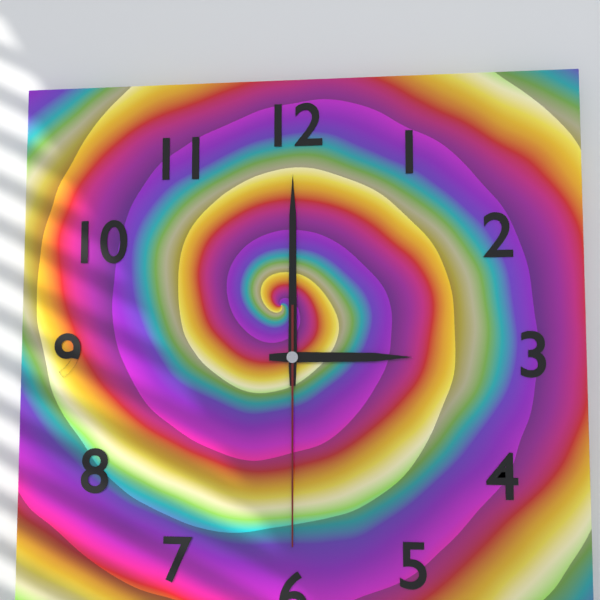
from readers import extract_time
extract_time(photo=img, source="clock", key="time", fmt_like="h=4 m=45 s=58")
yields h=3 m=0 s=30
